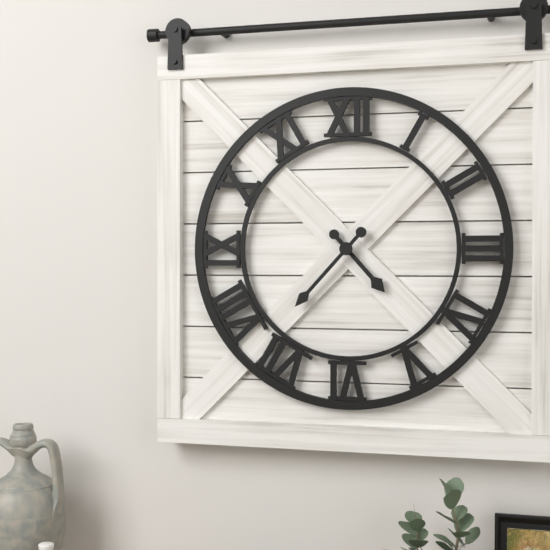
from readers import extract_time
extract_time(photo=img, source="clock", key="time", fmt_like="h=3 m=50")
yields h=4 m=37
